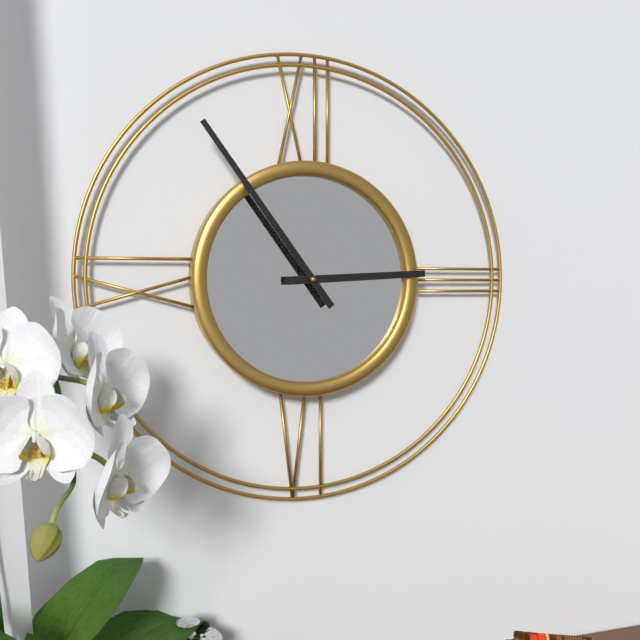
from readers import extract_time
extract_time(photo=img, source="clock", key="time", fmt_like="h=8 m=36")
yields h=2 m=54
